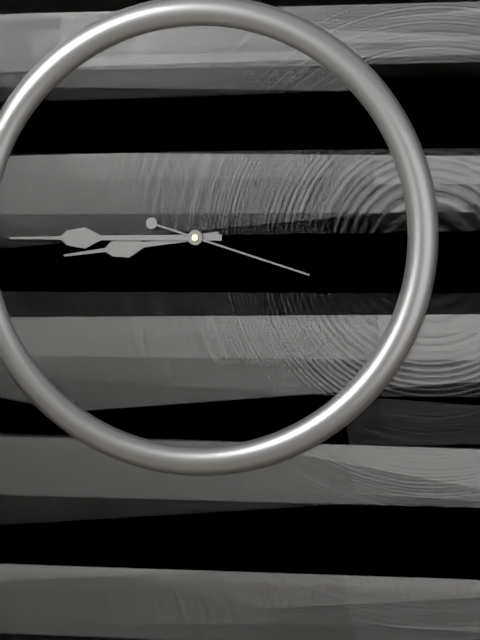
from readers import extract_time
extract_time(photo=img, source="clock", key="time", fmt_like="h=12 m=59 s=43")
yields h=8 m=45 s=18
